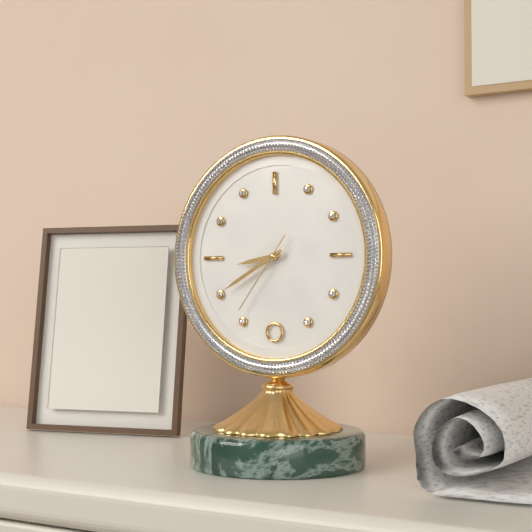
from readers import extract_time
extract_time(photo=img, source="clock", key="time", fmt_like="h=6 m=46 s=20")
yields h=8 m=40 s=36
